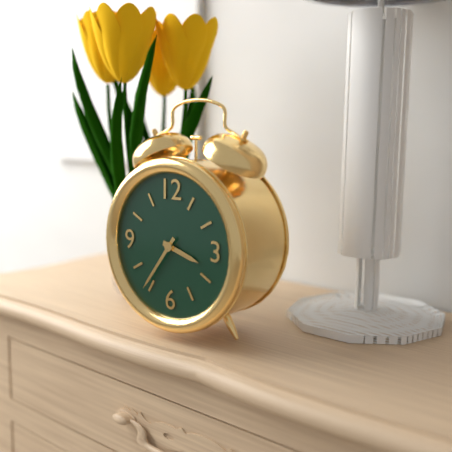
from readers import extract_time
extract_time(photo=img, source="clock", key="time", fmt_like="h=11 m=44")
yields h=3 m=36
